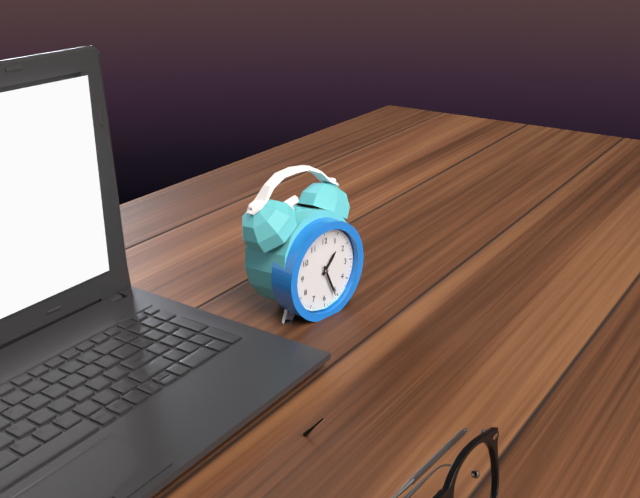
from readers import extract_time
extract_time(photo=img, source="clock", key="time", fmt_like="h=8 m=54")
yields h=1 m=26
